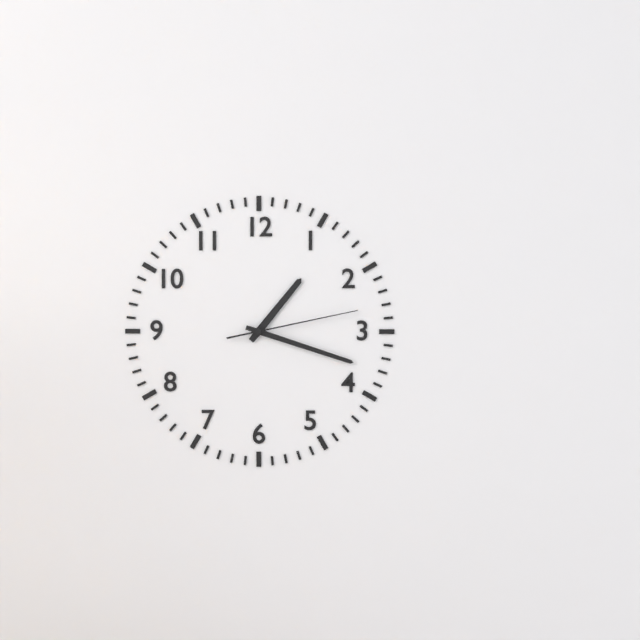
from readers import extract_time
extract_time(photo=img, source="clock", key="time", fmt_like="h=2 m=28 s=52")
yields h=1 m=18 s=13
